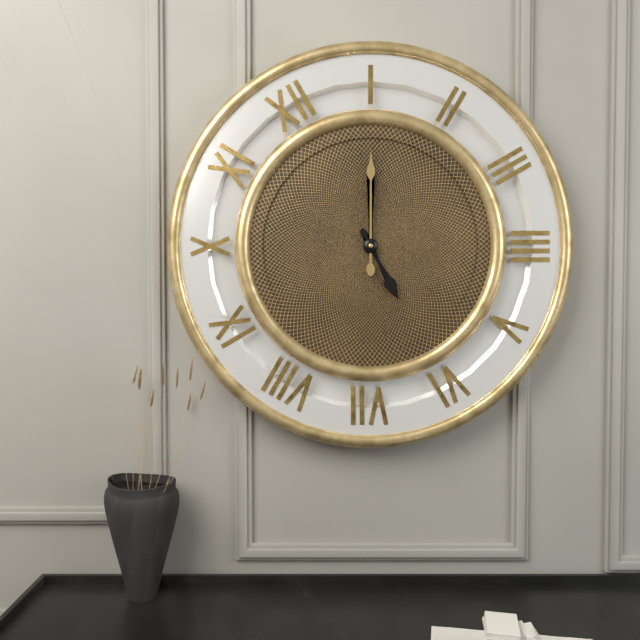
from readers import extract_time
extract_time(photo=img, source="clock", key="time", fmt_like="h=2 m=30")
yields h=6 m=5
